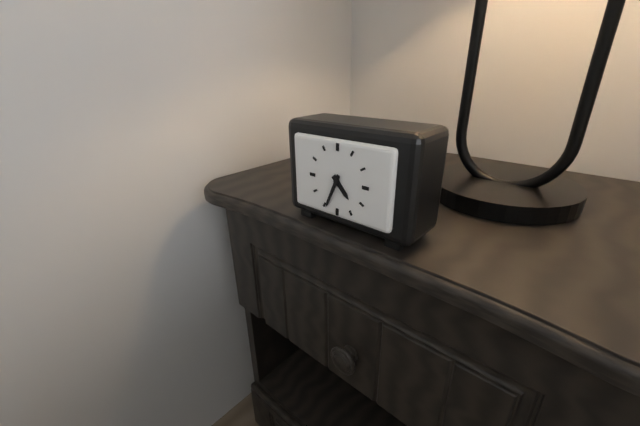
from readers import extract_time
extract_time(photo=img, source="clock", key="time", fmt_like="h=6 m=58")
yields h=4 m=34
